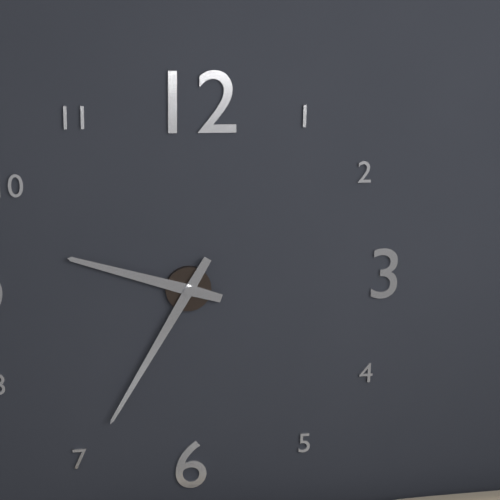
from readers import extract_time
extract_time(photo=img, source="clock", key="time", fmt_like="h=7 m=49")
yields h=9 m=35
